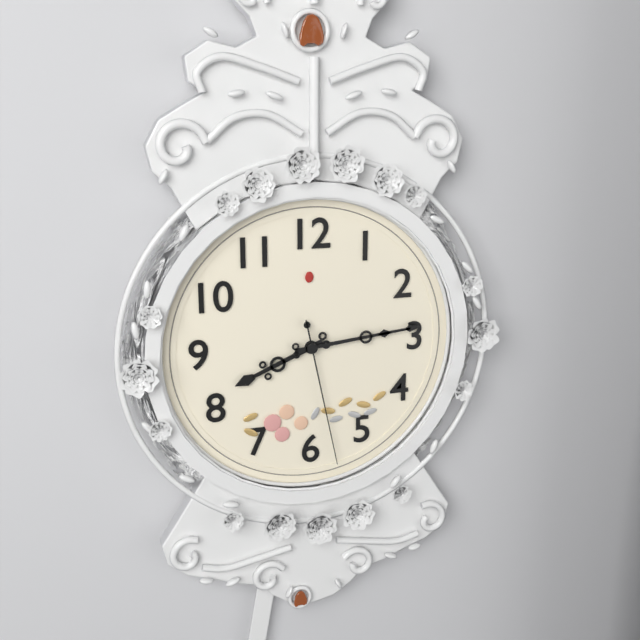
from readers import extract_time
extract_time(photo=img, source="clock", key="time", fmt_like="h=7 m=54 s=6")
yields h=8 m=14 s=28
